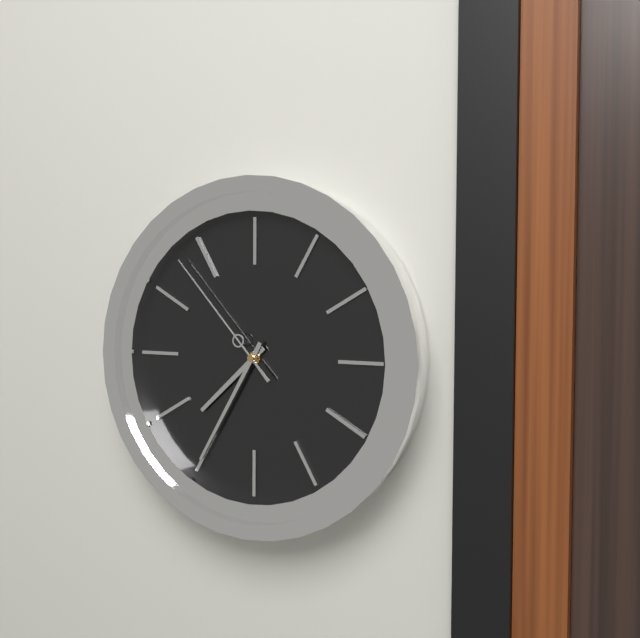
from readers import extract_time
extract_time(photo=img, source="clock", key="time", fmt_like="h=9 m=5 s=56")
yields h=7 m=35 s=53
